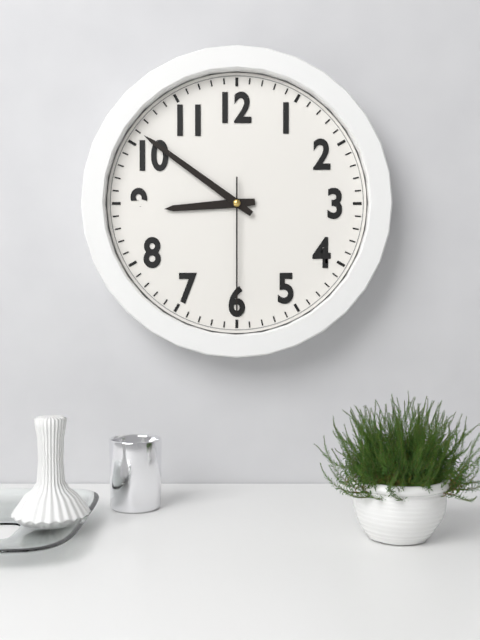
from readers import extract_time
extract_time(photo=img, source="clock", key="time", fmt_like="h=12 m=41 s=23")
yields h=8 m=51 s=30
